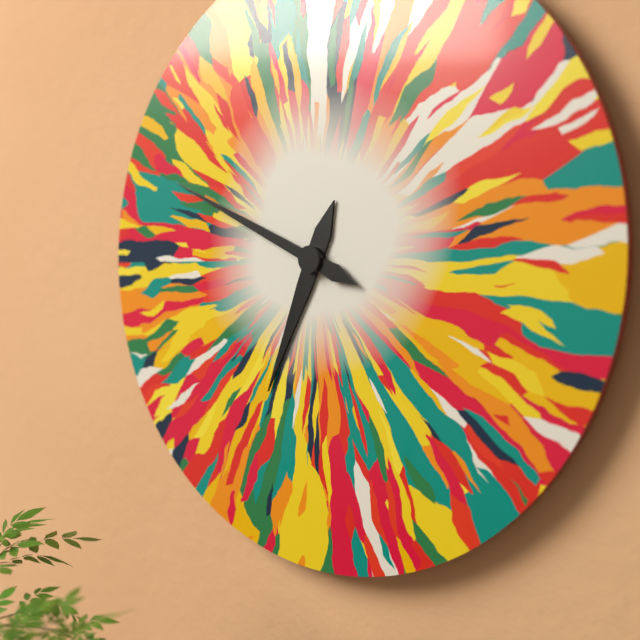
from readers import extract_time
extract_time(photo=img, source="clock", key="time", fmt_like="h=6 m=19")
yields h=6 m=49
